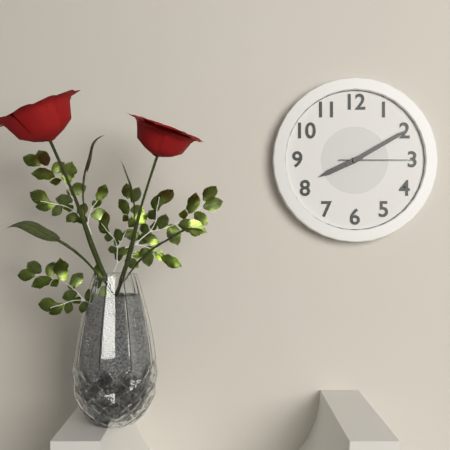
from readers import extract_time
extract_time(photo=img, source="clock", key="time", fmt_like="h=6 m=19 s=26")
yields h=8 m=10 s=15
